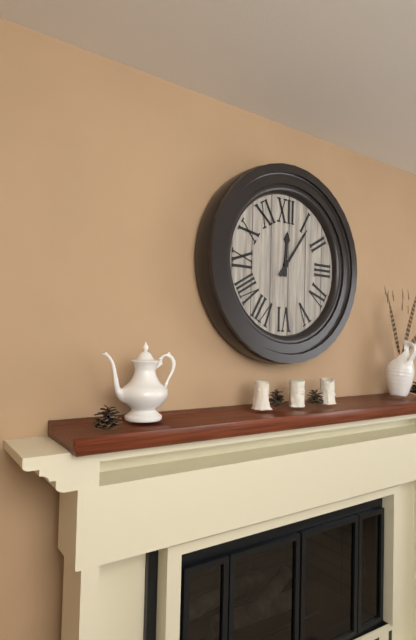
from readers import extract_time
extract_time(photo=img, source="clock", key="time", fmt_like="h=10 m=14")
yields h=12 m=6
